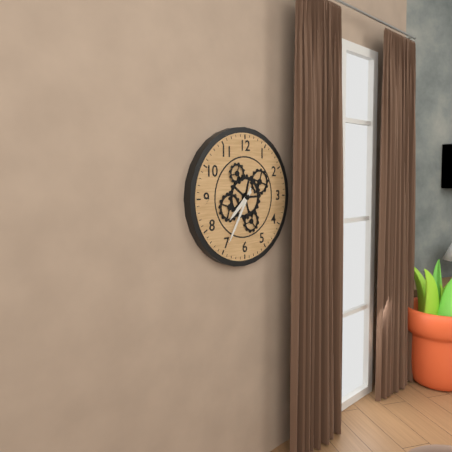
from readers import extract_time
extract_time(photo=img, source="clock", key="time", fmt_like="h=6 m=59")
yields h=7 m=35
